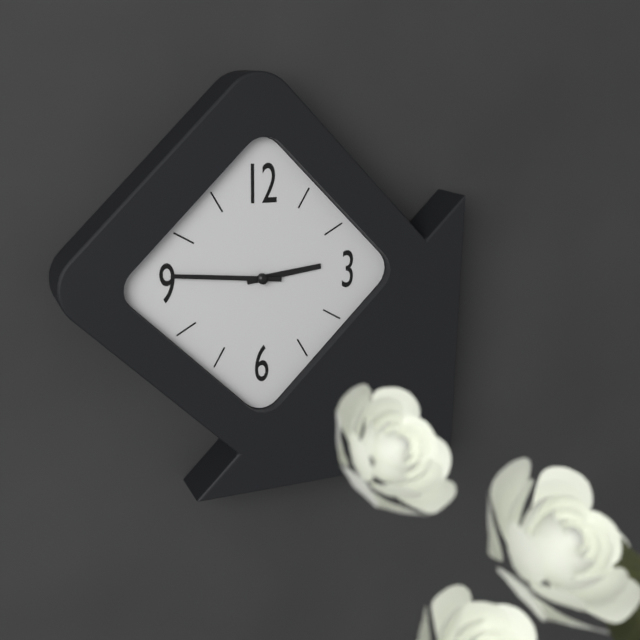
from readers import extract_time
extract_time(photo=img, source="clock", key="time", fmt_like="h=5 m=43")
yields h=2 m=46
